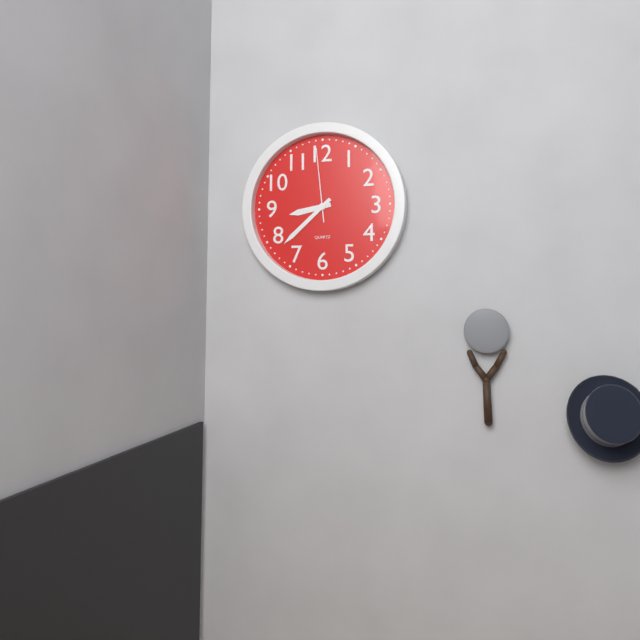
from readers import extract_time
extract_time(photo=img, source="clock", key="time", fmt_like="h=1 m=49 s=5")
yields h=8 m=38 s=59
